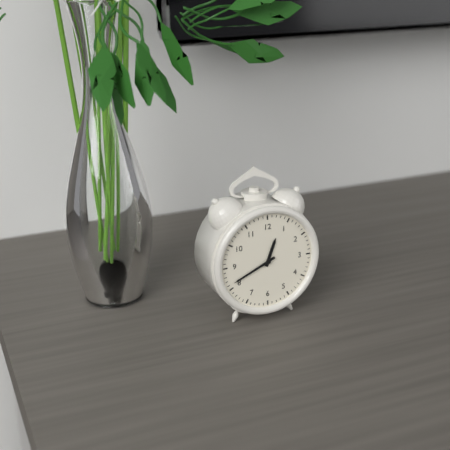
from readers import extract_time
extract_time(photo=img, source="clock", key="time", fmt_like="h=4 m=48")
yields h=12 m=41
